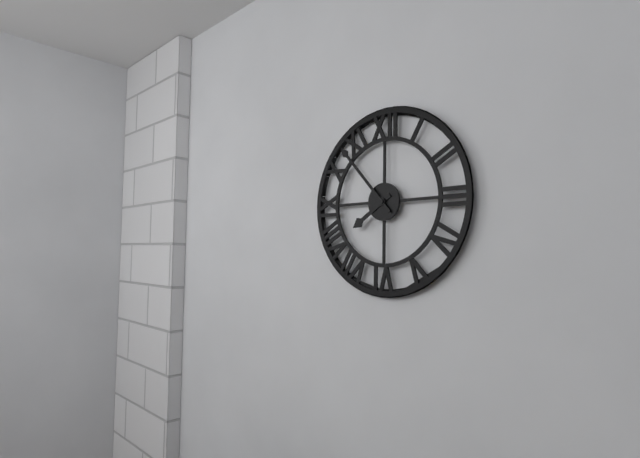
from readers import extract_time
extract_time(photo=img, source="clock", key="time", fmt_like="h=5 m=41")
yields h=7 m=53
